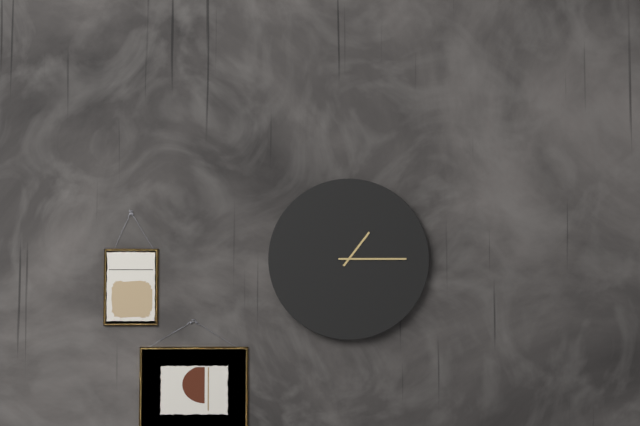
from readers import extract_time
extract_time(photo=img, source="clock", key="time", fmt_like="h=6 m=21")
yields h=1 m=15
